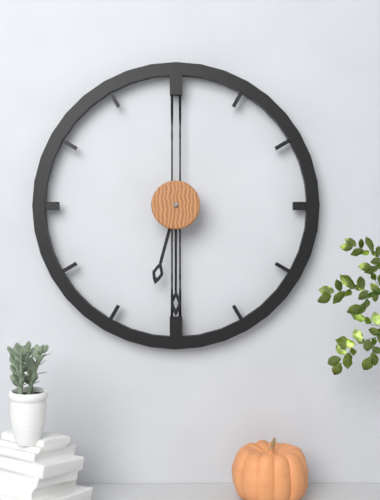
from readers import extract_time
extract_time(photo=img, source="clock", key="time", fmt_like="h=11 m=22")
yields h=6 m=30
